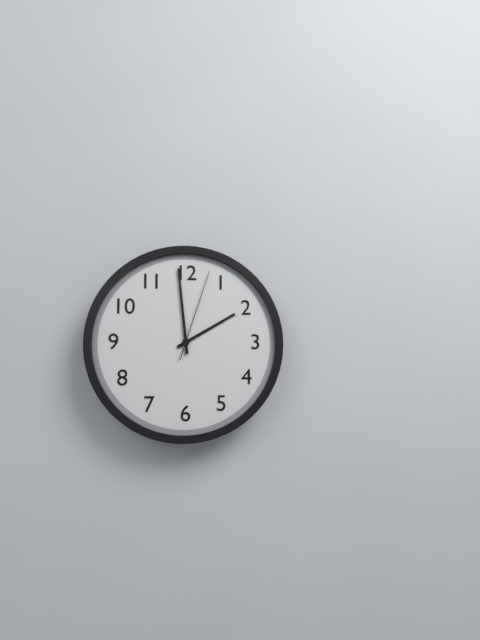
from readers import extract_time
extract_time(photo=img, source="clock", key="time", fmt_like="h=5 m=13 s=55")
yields h=1 m=59 s=3
